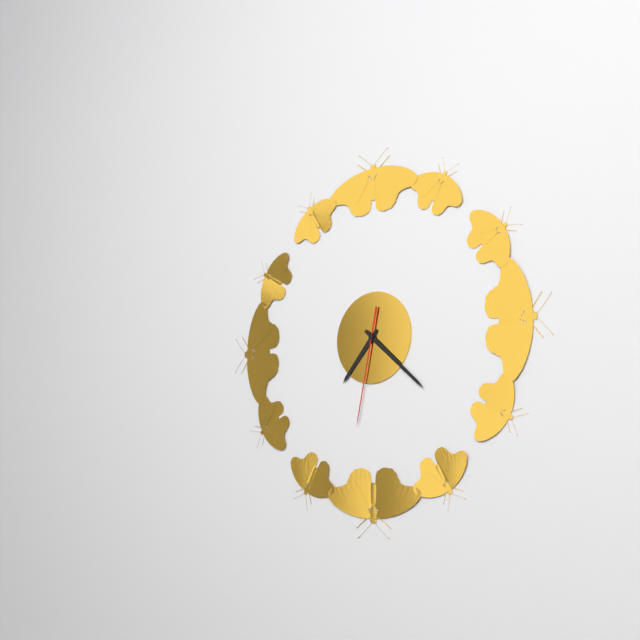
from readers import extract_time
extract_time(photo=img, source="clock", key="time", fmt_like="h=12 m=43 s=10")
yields h=7 m=22 s=32
